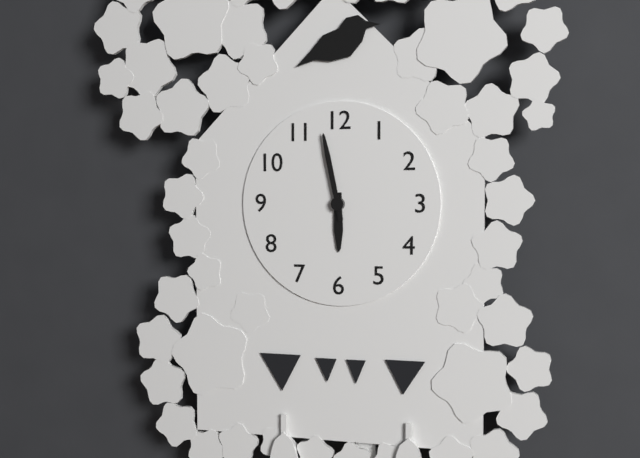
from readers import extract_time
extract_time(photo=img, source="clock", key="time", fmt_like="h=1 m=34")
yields h=5 m=58
